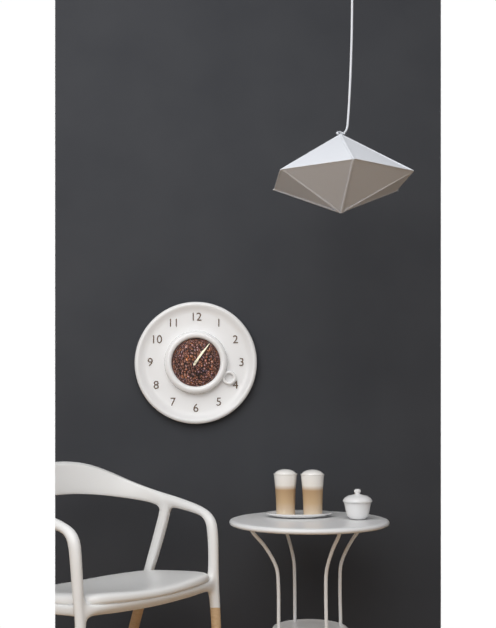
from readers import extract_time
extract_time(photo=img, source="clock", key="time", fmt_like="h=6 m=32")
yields h=1 m=6
